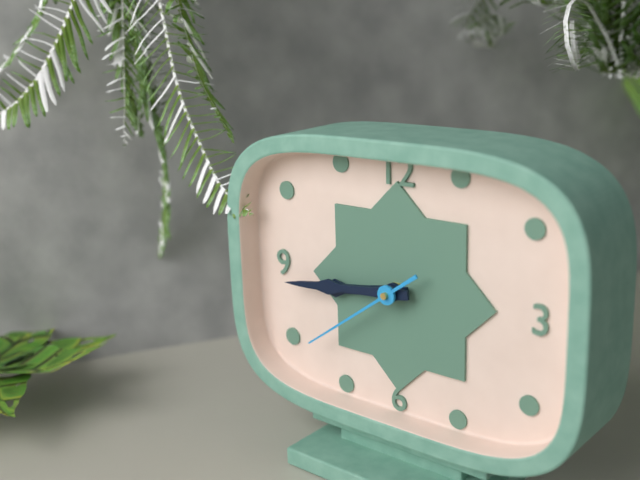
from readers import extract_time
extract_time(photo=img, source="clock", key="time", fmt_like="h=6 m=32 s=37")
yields h=8 m=44 s=39
